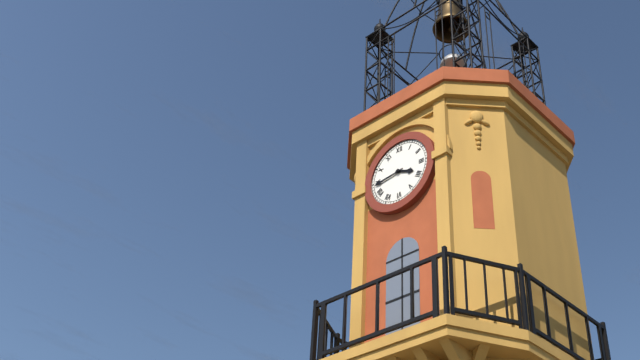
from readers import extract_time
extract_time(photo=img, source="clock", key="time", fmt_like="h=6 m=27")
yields h=3 m=44
